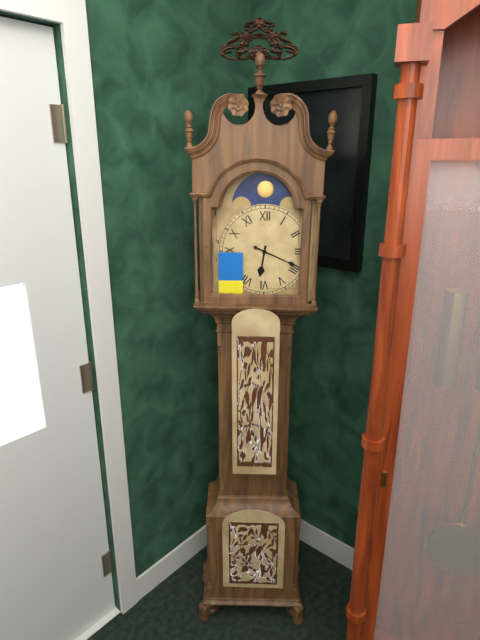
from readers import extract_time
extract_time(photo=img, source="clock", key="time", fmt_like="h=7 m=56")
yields h=6 m=19
